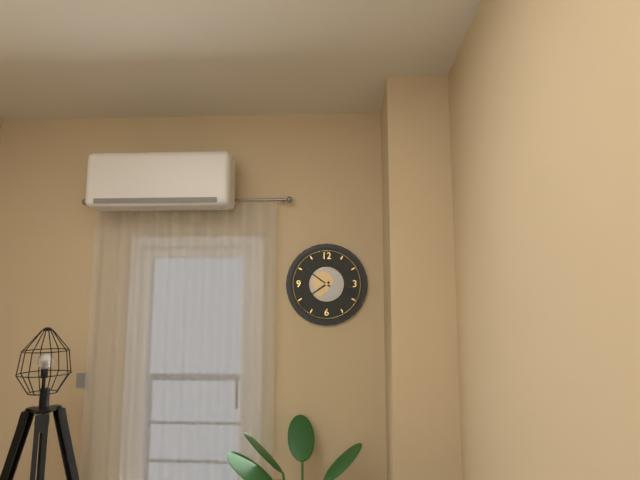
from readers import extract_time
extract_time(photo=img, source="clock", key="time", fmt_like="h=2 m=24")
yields h=7 m=51
